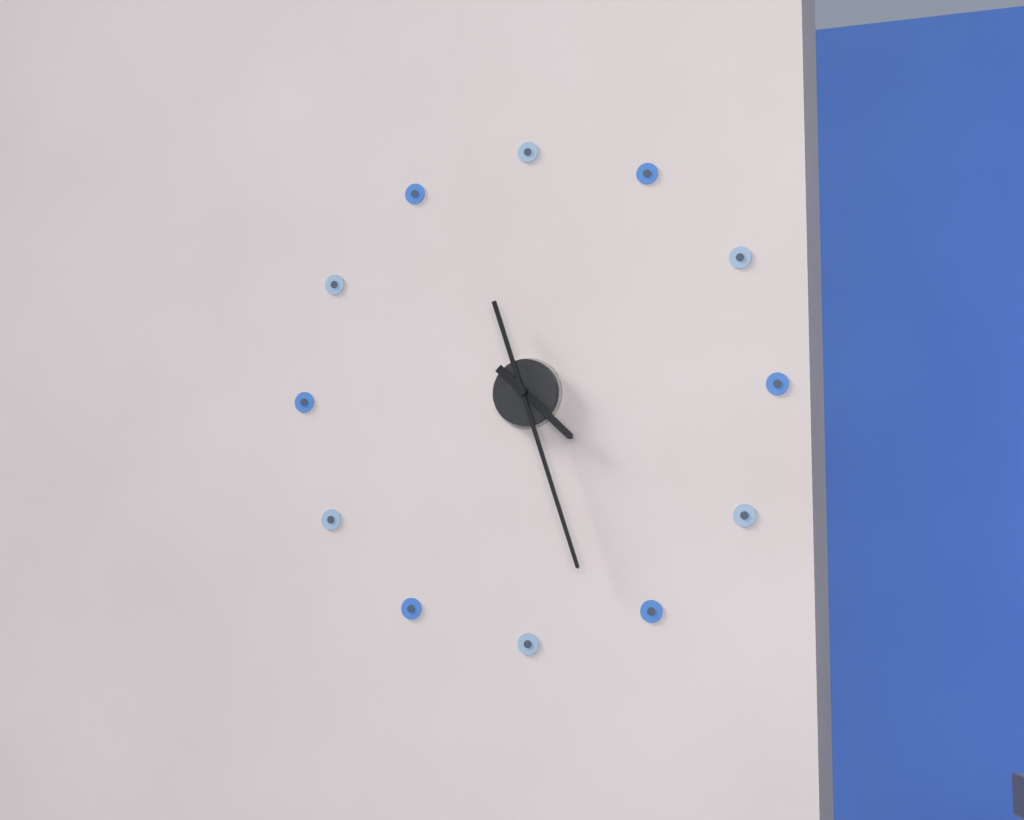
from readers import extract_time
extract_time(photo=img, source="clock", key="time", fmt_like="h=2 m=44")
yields h=4 m=27
